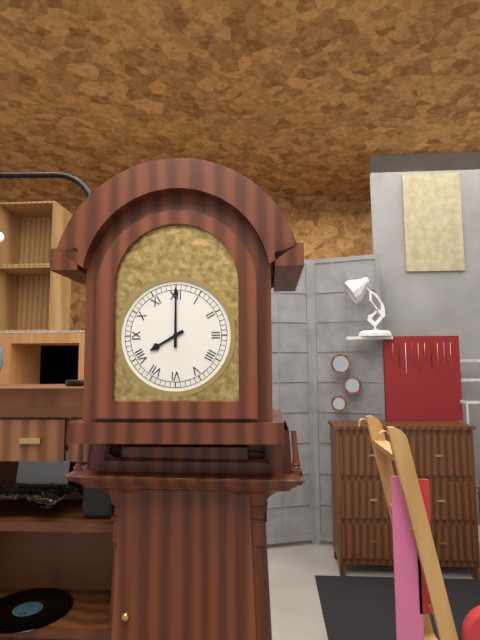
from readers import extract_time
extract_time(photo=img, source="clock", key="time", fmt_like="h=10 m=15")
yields h=8 m=0
